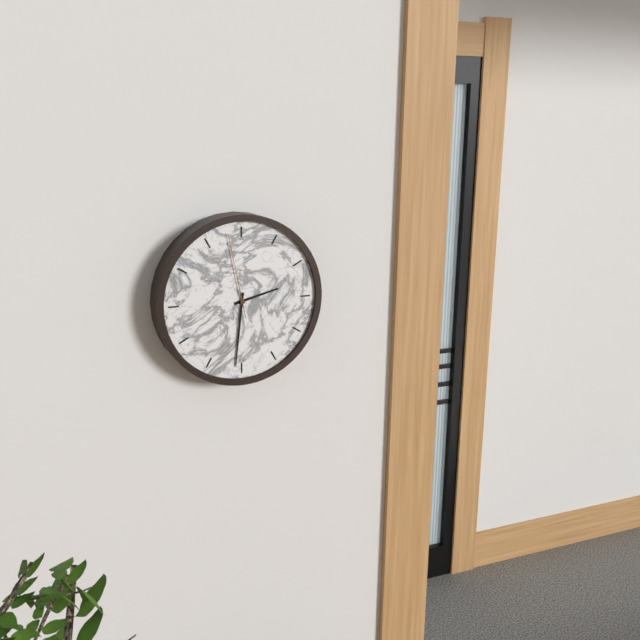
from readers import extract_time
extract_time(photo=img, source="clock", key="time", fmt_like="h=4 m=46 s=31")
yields h=2 m=31 s=58
